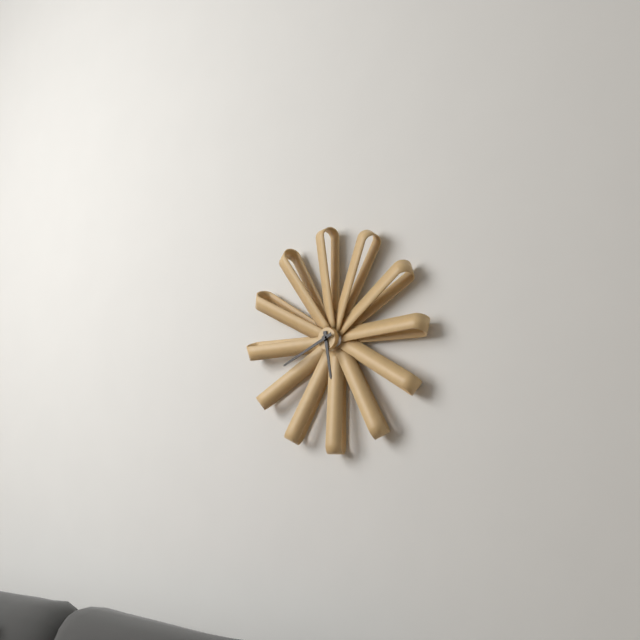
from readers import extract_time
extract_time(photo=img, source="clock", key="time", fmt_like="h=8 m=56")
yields h=5 m=41
